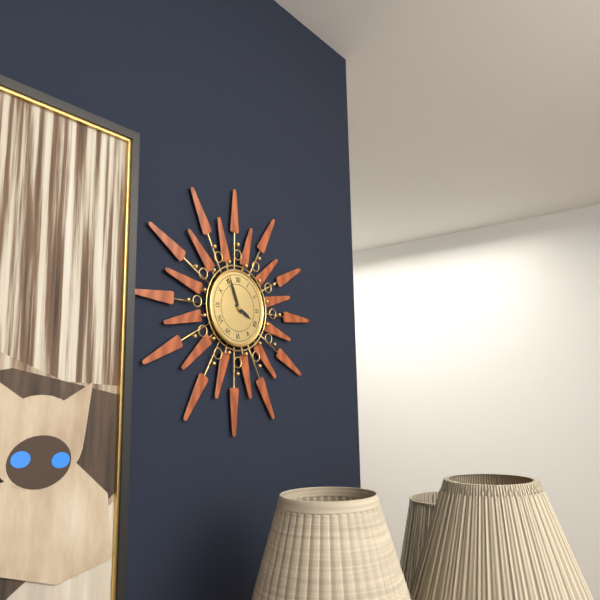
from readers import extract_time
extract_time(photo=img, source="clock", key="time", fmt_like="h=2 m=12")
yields h=3 m=56
